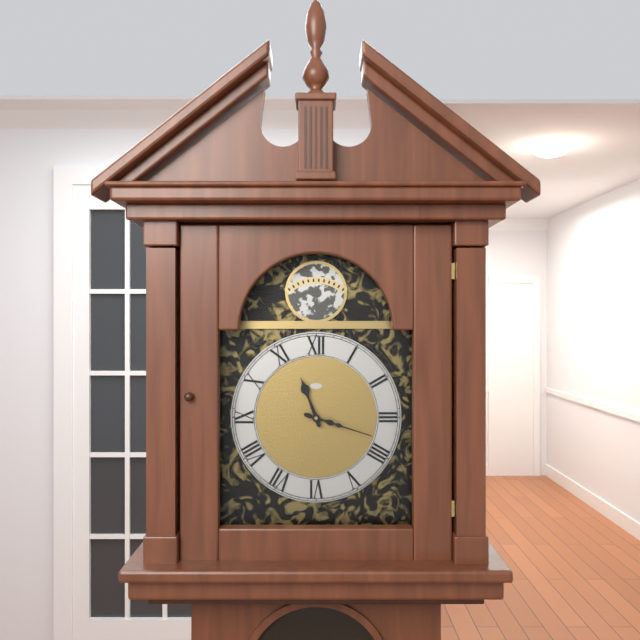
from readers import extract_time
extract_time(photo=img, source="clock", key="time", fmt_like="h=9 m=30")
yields h=11 m=18
